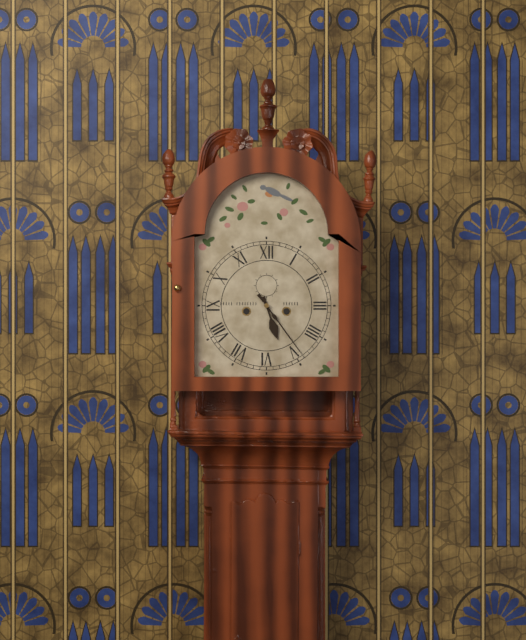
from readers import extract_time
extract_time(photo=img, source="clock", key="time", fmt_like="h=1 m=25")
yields h=5 m=24
